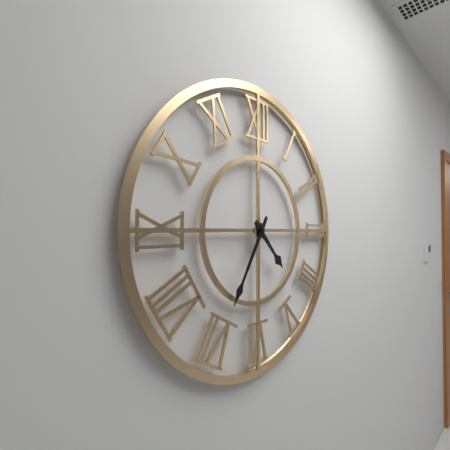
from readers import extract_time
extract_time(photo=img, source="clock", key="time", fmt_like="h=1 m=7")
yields h=4 m=35
